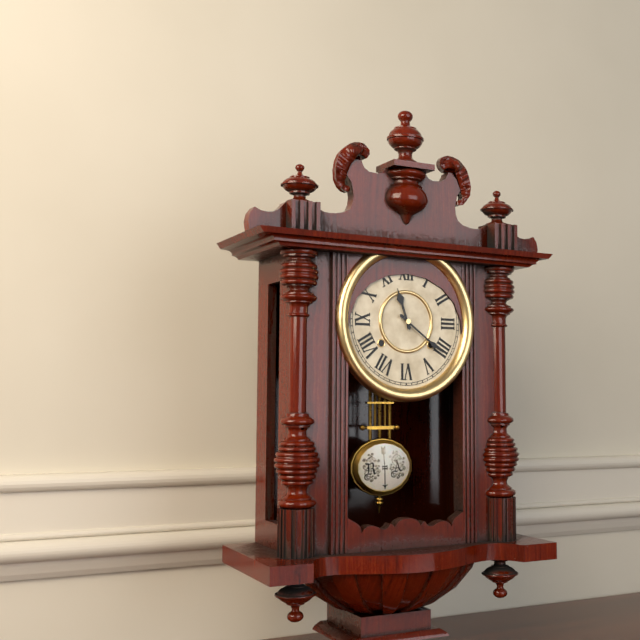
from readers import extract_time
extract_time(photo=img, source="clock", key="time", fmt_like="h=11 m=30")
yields h=11 m=21
